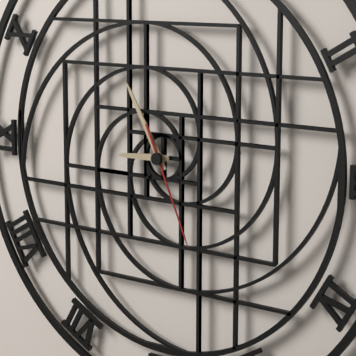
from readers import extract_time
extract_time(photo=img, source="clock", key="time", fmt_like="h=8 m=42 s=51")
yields h=8 m=55 s=26
